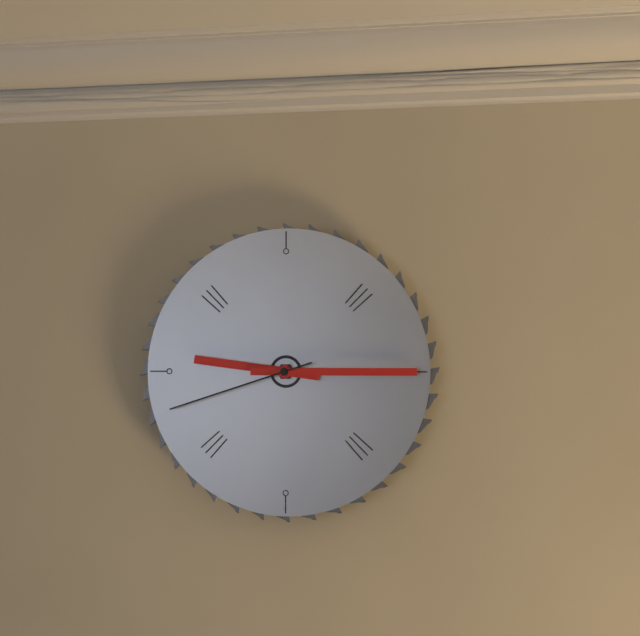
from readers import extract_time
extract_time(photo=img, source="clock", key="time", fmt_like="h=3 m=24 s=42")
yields h=9 m=15 s=42
